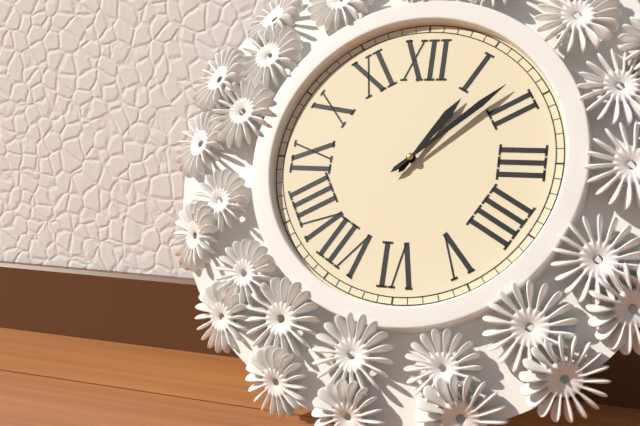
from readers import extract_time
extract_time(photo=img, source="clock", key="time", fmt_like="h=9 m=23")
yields h=1 m=8
